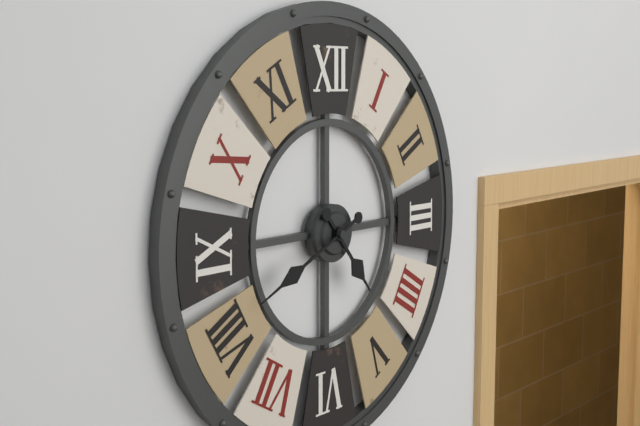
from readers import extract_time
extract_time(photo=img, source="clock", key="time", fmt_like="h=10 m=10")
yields h=4 m=41
